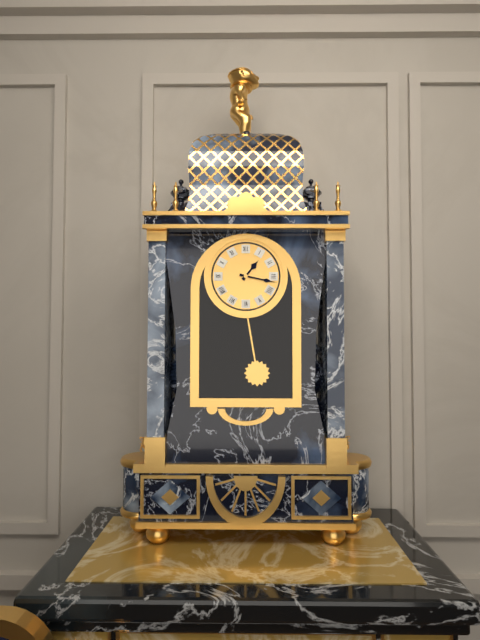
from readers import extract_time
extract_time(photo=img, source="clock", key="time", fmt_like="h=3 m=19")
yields h=1 m=17
